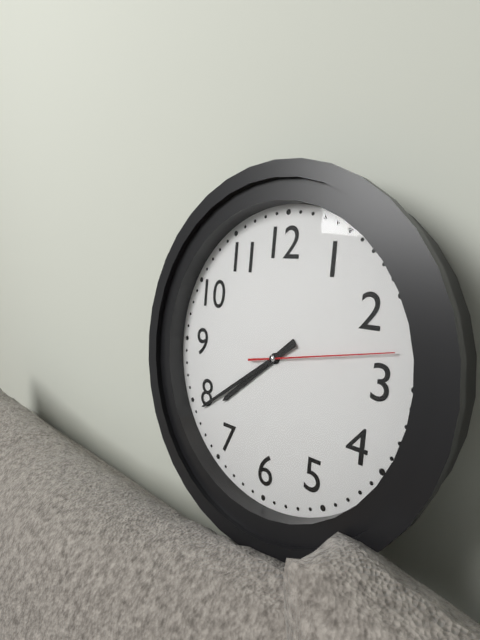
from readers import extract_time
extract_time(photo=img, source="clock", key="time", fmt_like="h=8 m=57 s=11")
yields h=7 m=39 s=13
